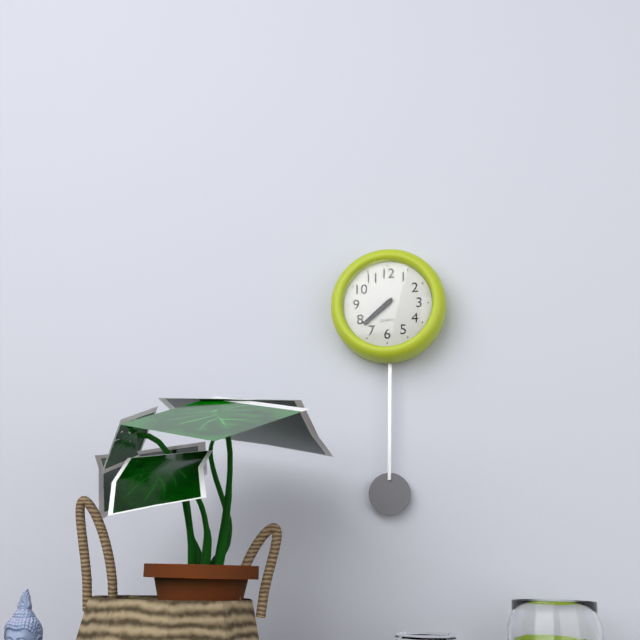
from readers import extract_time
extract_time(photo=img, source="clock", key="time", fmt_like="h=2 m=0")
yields h=7 m=38
